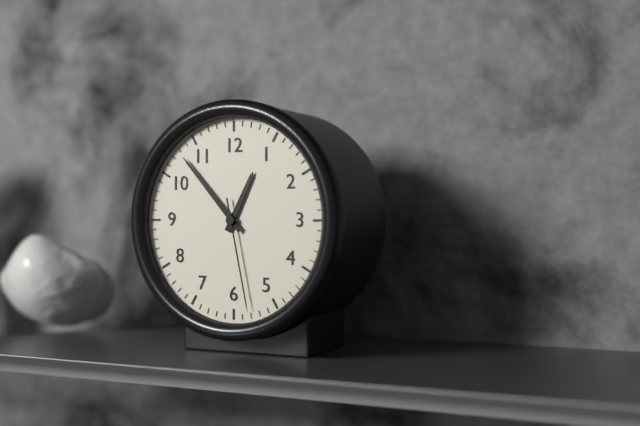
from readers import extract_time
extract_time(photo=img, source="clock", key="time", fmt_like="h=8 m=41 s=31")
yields h=12 m=53 s=28
